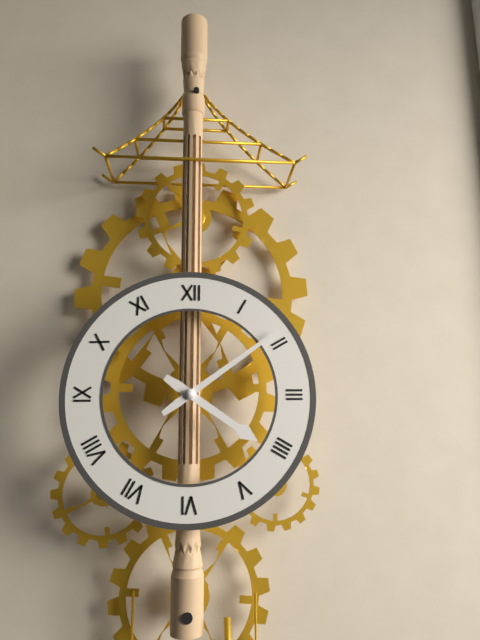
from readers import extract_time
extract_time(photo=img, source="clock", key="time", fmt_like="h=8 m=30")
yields h=4 m=9
